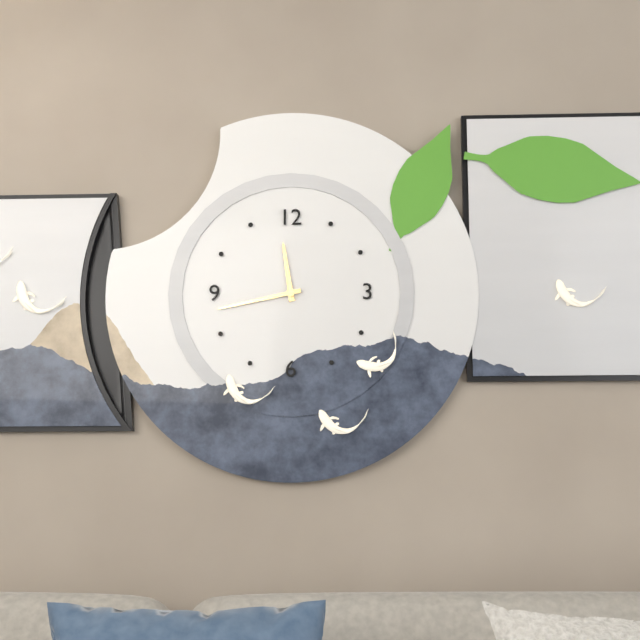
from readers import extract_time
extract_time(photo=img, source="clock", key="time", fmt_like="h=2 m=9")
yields h=11 m=43
